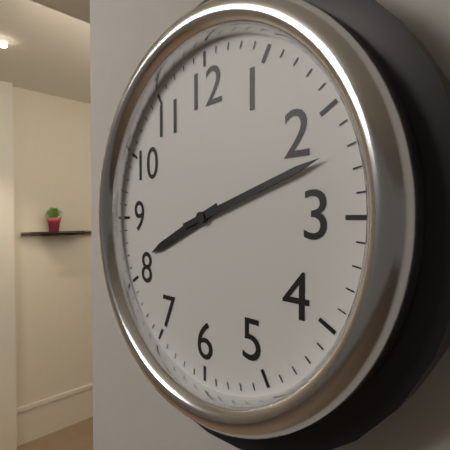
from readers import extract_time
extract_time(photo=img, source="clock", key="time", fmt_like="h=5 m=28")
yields h=8 m=12
